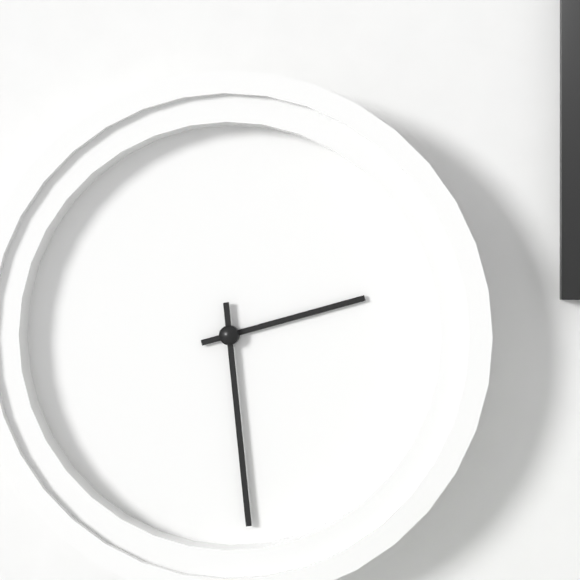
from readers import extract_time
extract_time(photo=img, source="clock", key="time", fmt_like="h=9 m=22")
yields h=2 m=29
